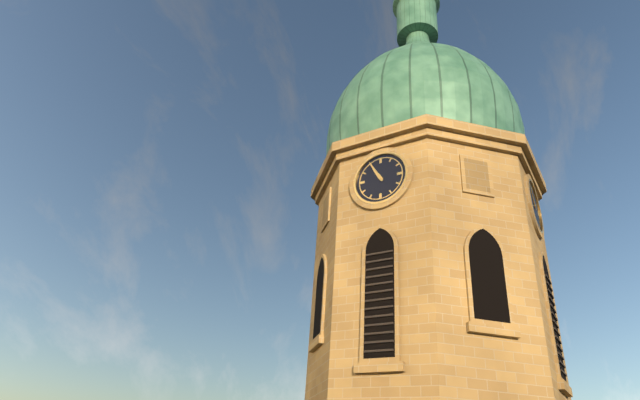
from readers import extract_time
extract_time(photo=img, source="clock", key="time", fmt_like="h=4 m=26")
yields h=10 m=55
